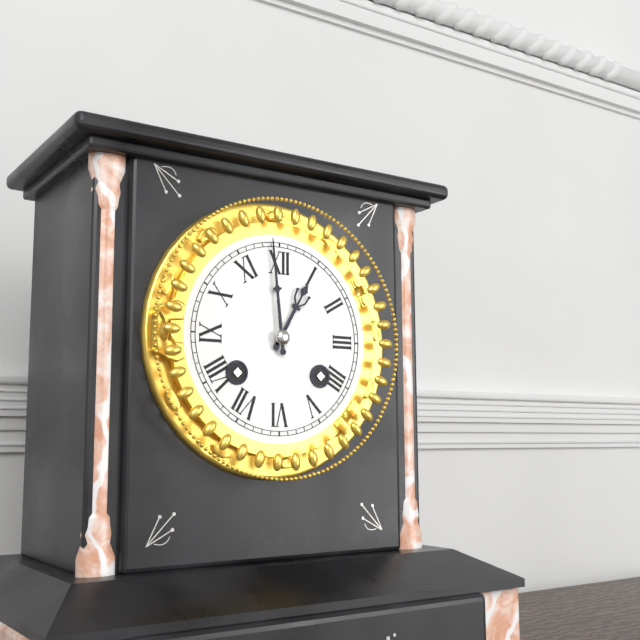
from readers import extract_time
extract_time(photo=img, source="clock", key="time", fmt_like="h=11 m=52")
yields h=12 m=59
